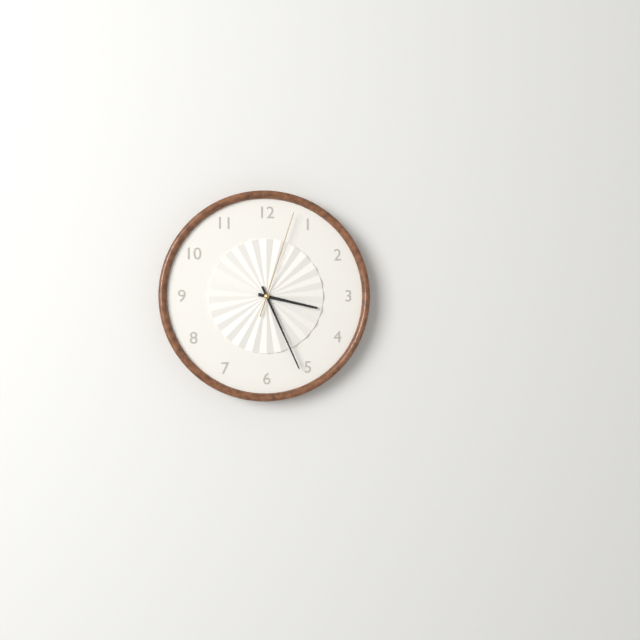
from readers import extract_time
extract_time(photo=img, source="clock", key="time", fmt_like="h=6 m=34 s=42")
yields h=3 m=26 s=3
